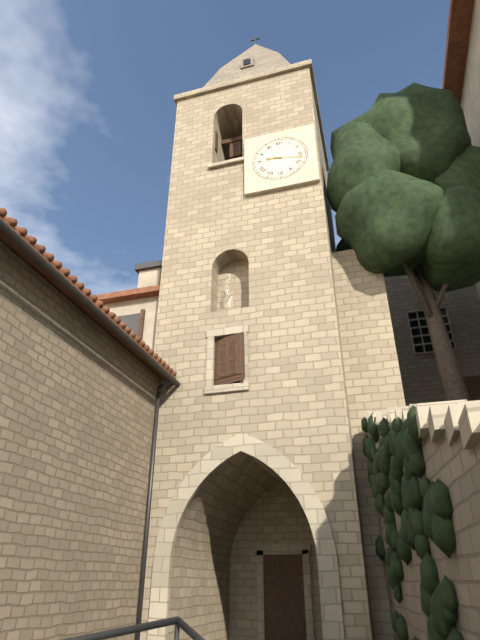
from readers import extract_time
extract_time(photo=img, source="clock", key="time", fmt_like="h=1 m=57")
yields h=9 m=17
